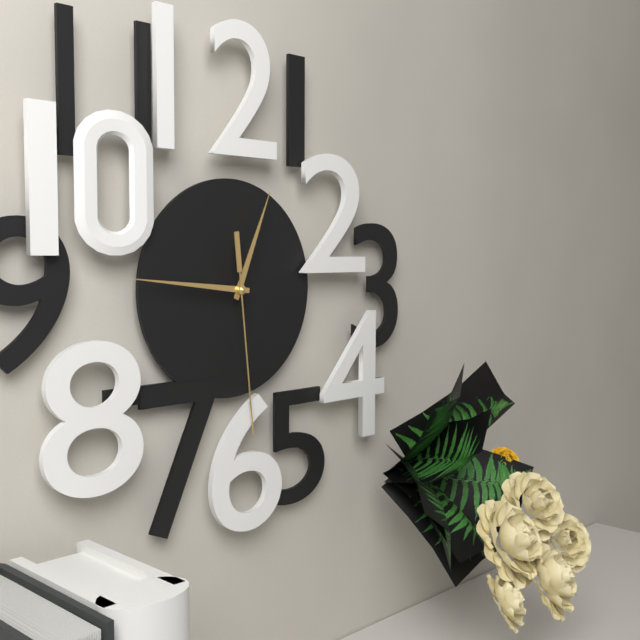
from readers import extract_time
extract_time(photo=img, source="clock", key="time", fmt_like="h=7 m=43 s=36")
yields h=12 m=46 s=29
